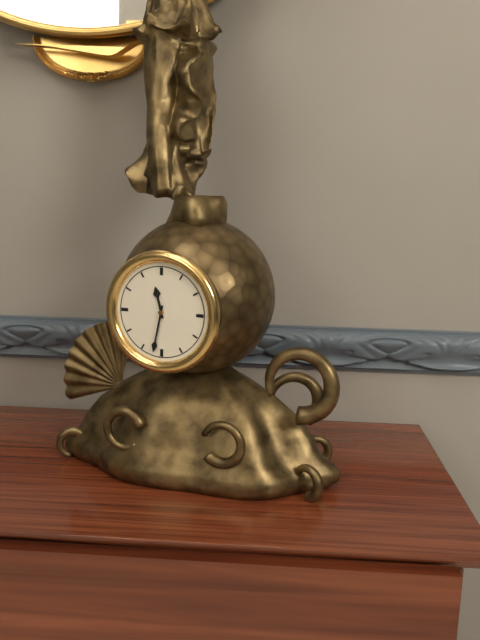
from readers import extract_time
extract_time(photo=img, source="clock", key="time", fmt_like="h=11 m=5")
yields h=11 m=32
